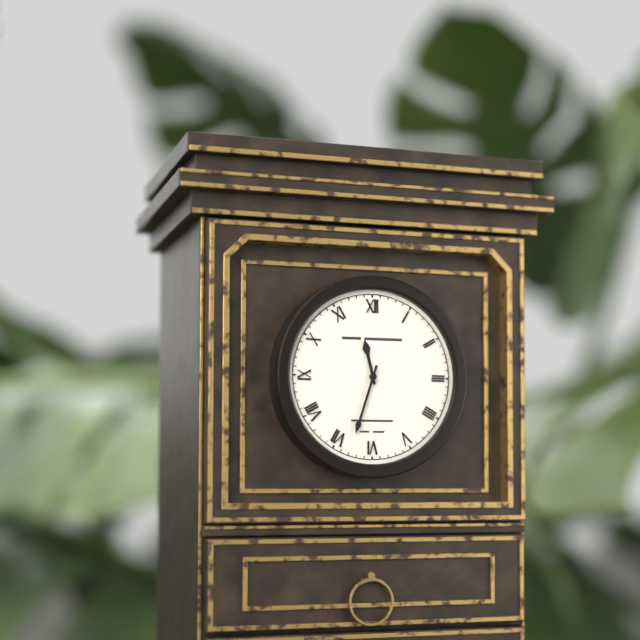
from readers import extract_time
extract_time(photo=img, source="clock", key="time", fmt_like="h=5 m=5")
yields h=11 m=33
